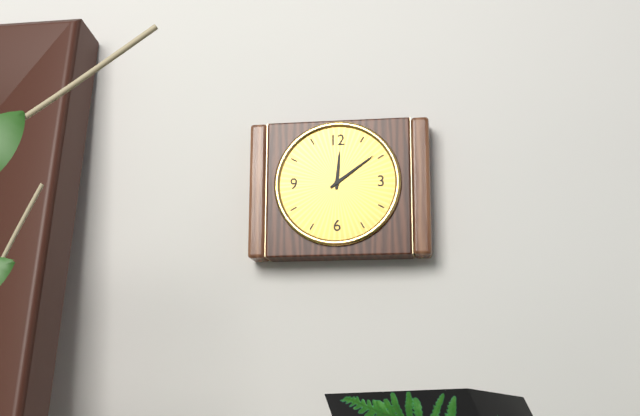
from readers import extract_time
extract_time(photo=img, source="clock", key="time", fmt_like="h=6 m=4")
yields h=12 m=9
